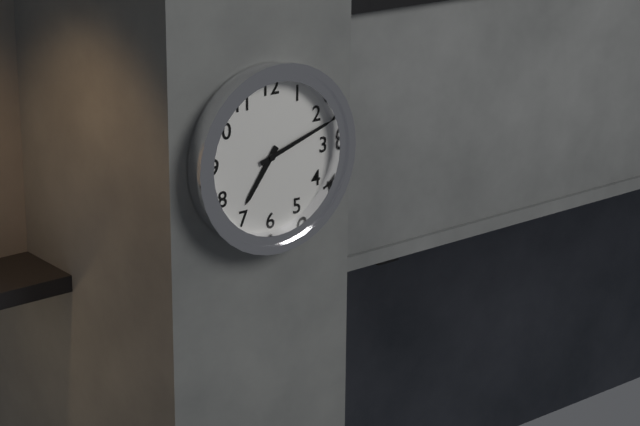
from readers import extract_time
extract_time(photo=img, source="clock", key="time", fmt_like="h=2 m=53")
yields h=7 m=12
